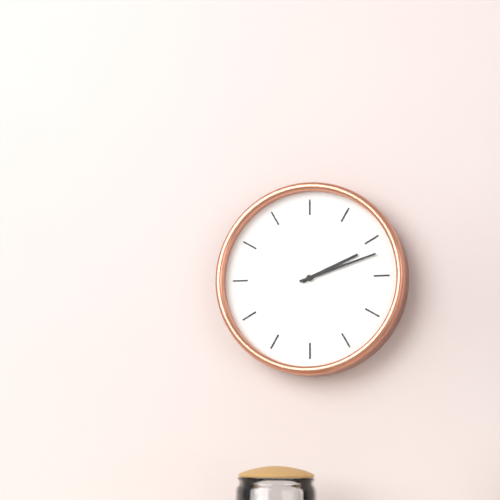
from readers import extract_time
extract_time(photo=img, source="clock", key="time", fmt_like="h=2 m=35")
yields h=2 m=12
